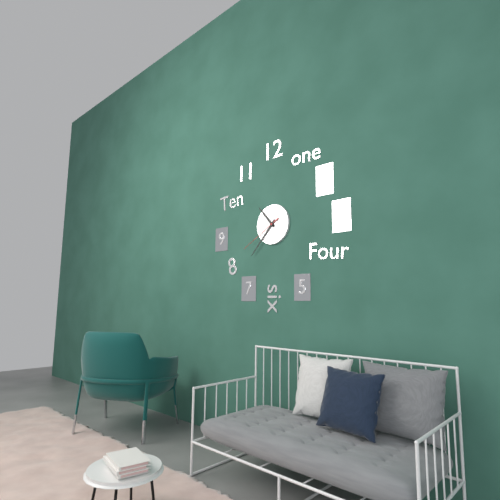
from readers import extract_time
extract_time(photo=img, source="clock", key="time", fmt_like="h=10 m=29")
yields h=10 m=37
